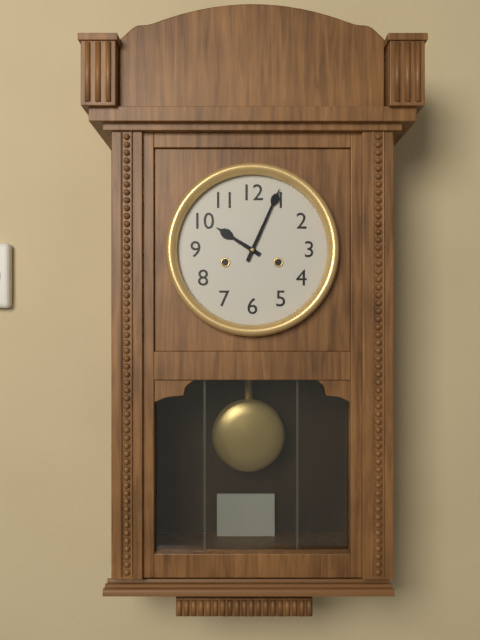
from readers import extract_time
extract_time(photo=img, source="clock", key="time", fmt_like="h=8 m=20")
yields h=10 m=4
